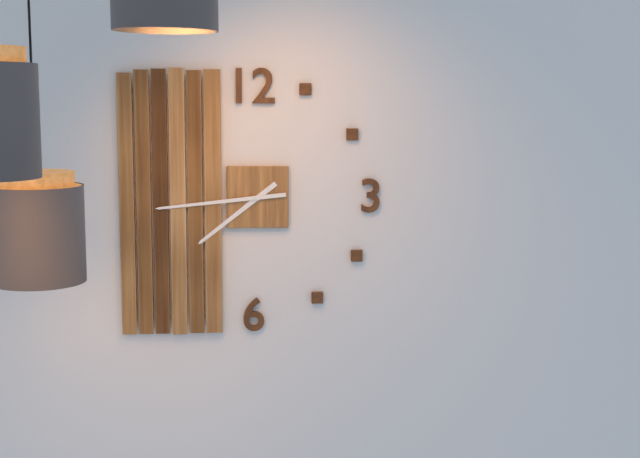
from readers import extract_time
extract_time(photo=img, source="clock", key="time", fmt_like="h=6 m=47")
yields h=7 m=44
